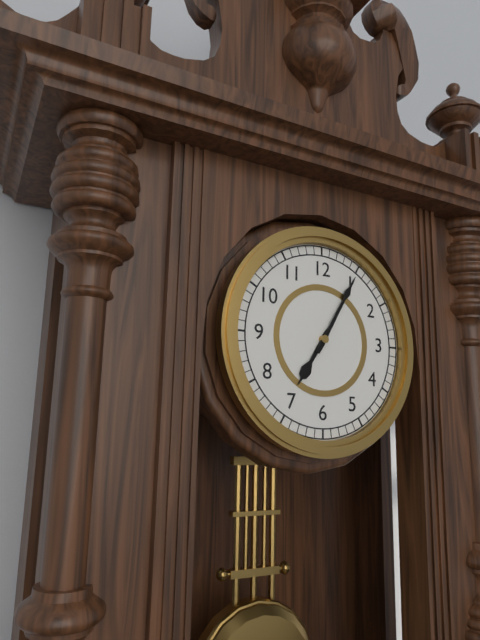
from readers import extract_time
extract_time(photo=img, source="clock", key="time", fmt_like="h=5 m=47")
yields h=7 m=5
